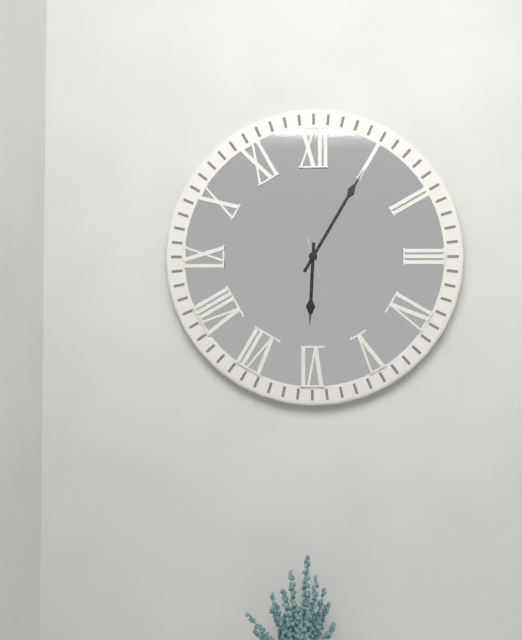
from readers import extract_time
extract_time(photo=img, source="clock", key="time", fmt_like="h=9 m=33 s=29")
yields h=6 m=5 s=27
